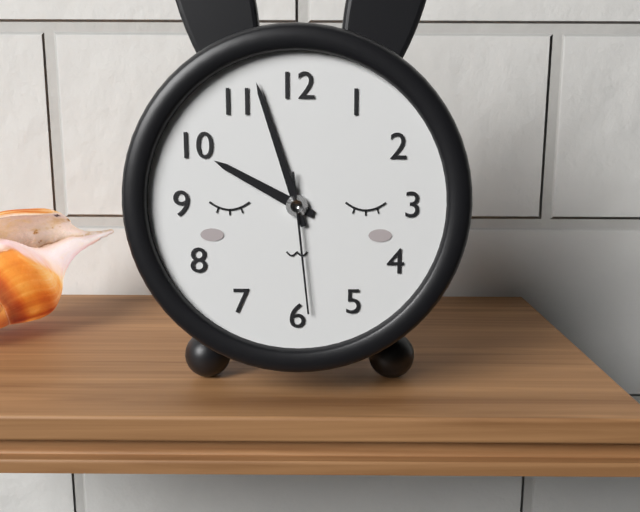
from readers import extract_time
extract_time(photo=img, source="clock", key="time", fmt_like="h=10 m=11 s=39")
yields h=9 m=57 s=29
